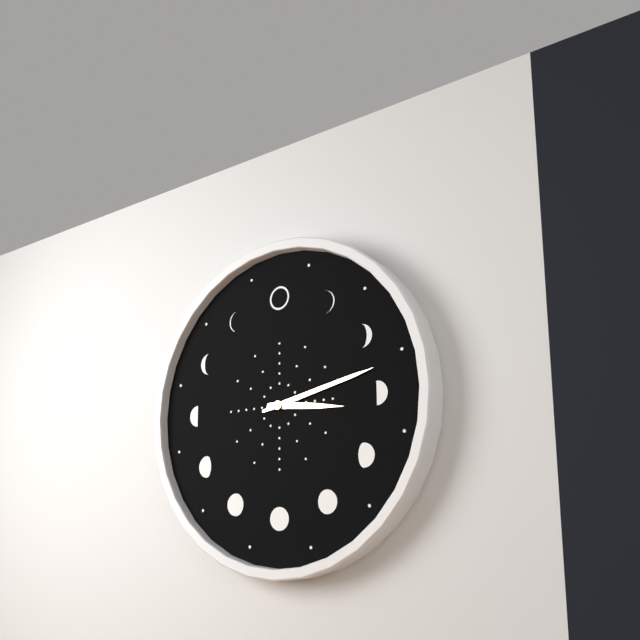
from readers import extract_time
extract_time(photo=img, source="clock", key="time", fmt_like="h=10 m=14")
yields h=3 m=13
